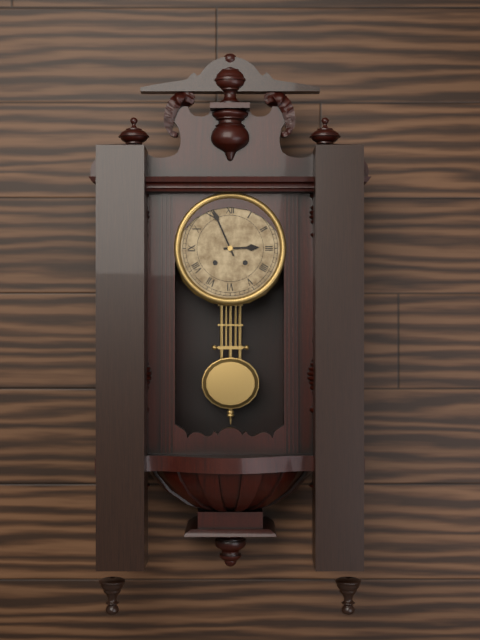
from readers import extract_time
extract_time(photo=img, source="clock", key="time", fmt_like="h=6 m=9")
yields h=2 m=56
